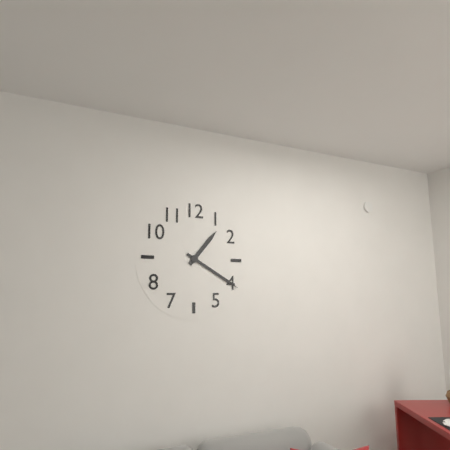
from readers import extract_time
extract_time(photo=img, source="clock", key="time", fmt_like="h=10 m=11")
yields h=1 m=20
